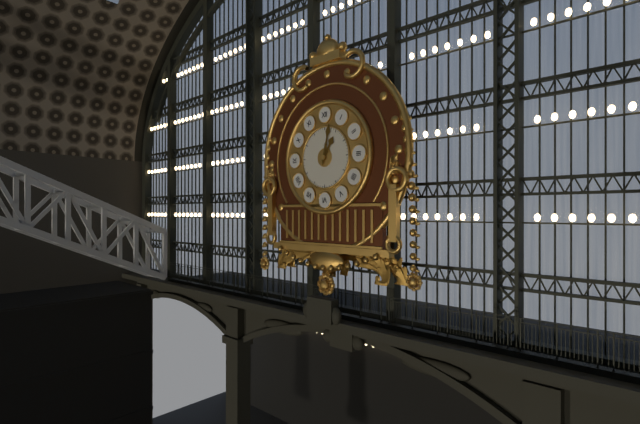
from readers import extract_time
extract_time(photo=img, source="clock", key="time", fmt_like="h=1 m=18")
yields h=1 m=2
